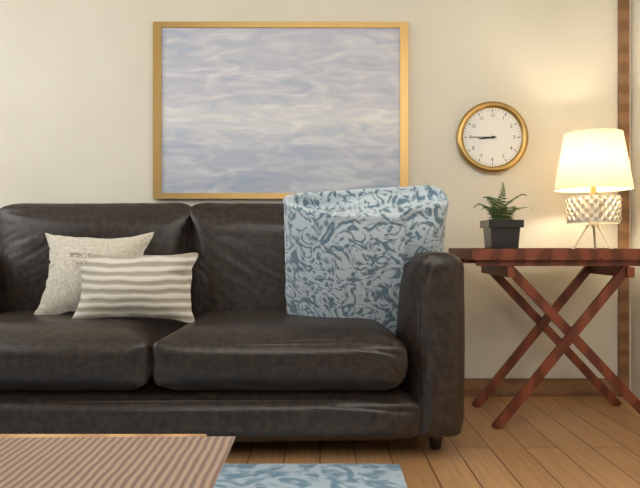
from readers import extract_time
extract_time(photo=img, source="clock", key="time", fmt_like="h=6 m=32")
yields h=8 m=45
